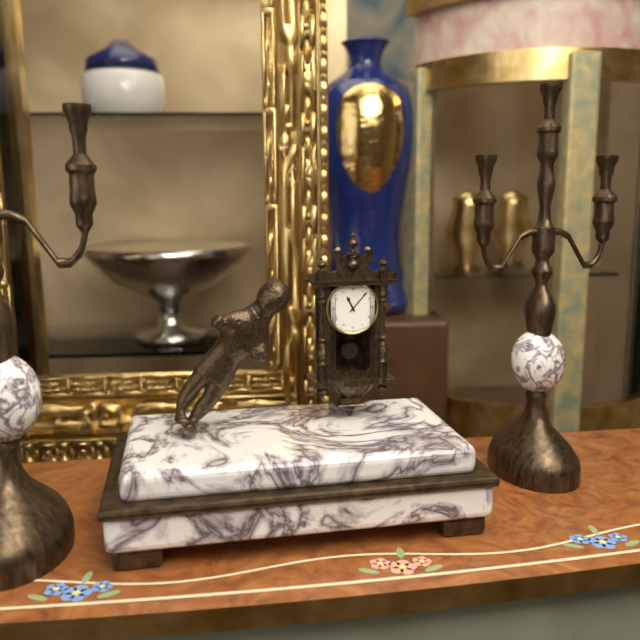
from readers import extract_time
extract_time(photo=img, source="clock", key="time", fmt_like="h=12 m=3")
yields h=11 m=7
